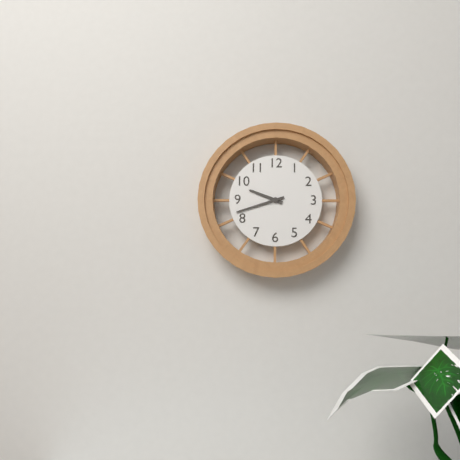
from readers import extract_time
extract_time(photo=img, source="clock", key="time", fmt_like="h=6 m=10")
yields h=9 m=42
